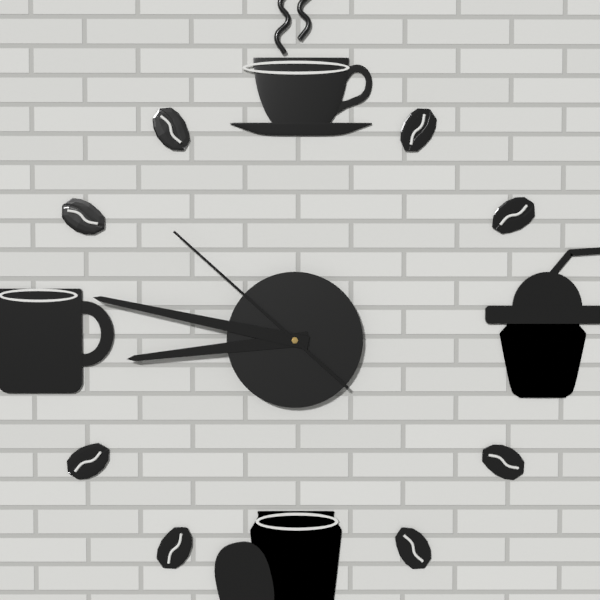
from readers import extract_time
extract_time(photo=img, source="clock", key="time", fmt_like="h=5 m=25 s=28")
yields h=8 m=47 s=52
